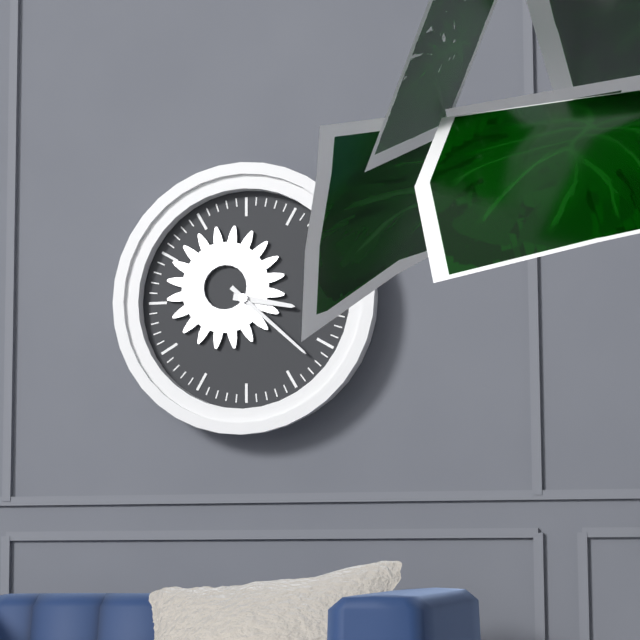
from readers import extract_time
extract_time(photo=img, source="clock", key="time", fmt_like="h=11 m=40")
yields h=3 m=22
